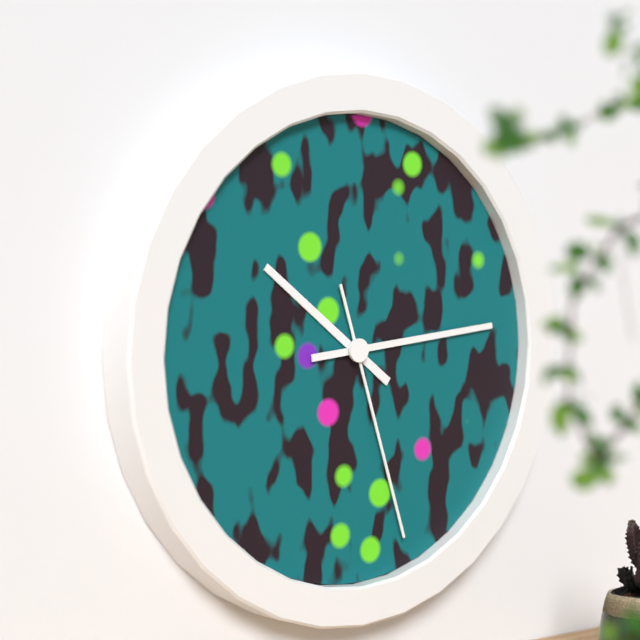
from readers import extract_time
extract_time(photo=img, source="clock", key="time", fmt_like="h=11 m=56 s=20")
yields h=10 m=14 s=27
